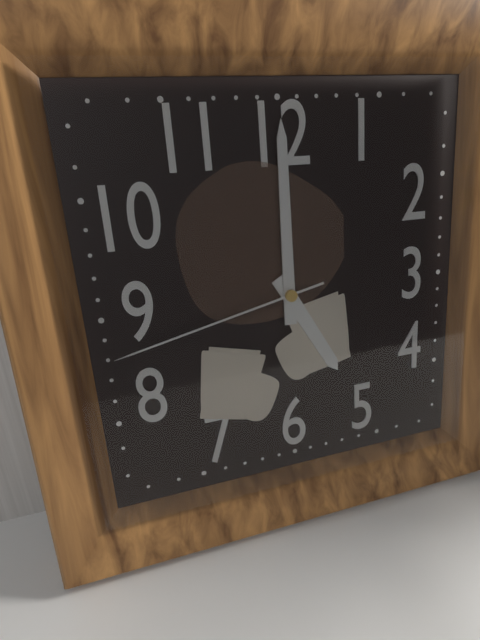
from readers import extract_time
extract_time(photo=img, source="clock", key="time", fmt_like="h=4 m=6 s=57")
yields h=5 m=0 s=43
